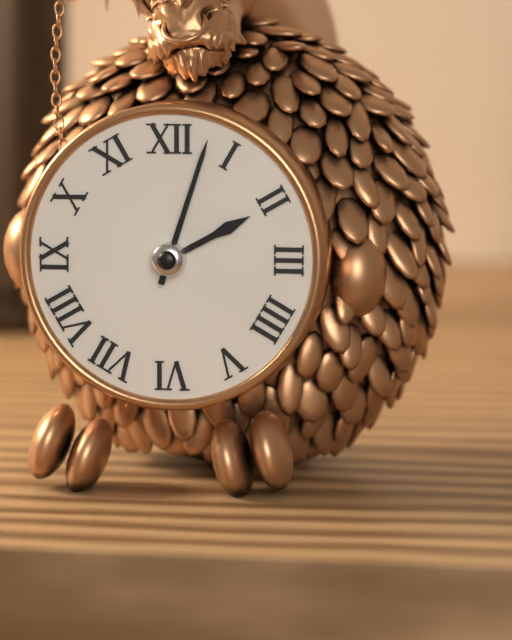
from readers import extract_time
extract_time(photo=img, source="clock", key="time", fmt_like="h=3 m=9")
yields h=2 m=3
